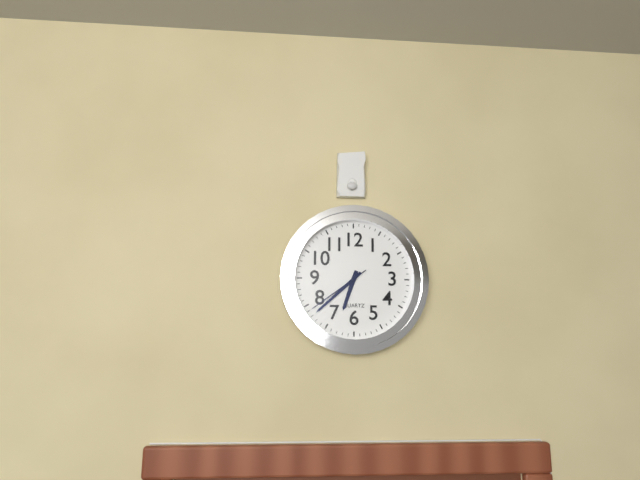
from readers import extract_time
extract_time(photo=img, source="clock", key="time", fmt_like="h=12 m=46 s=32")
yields h=6 m=38 s=39
